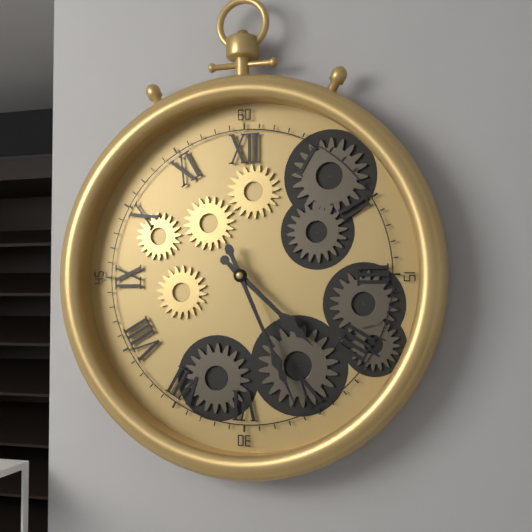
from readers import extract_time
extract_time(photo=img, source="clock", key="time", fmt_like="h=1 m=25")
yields h=4 m=26
